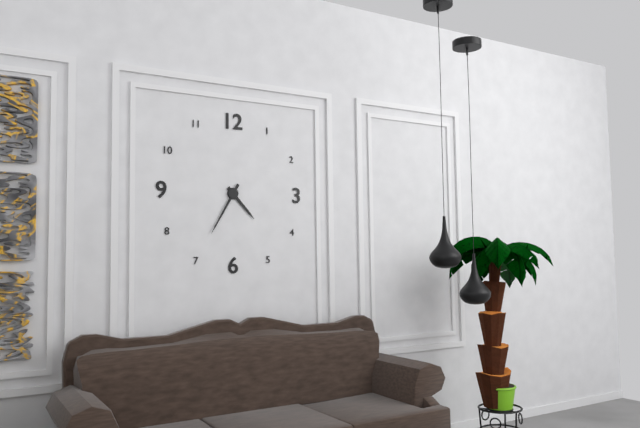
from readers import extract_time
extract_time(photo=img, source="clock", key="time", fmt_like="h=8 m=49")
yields h=4 m=35
